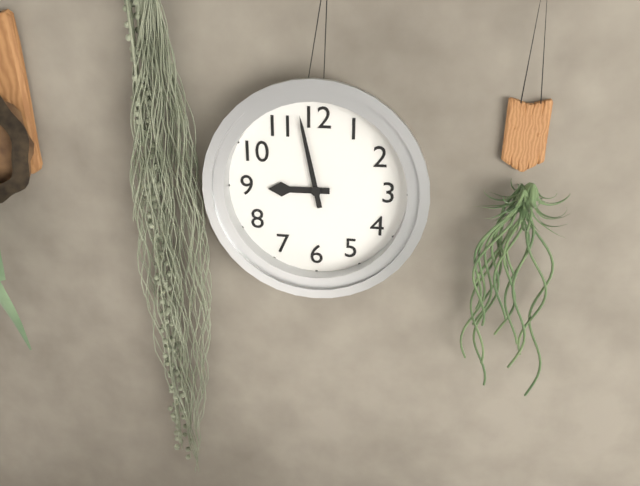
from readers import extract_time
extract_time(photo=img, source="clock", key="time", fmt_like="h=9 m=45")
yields h=8 m=58
